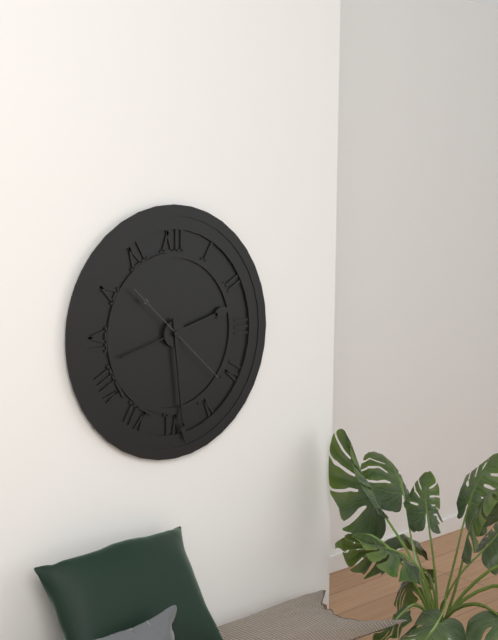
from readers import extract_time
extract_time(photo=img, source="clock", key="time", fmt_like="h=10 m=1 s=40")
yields h=2 m=29 s=22
